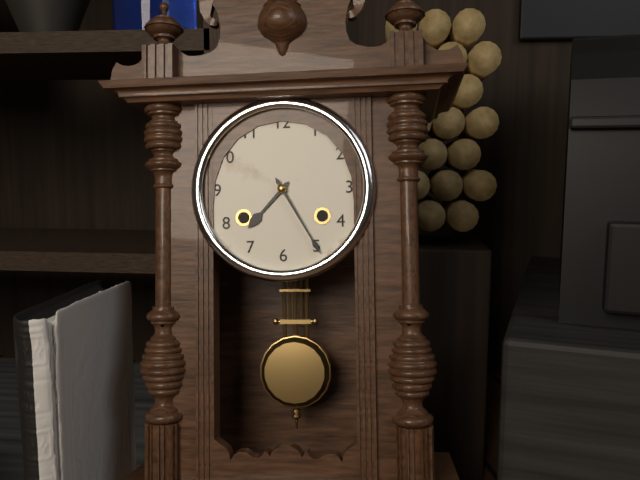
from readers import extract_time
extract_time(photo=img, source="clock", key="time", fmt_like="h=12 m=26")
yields h=7 m=25
